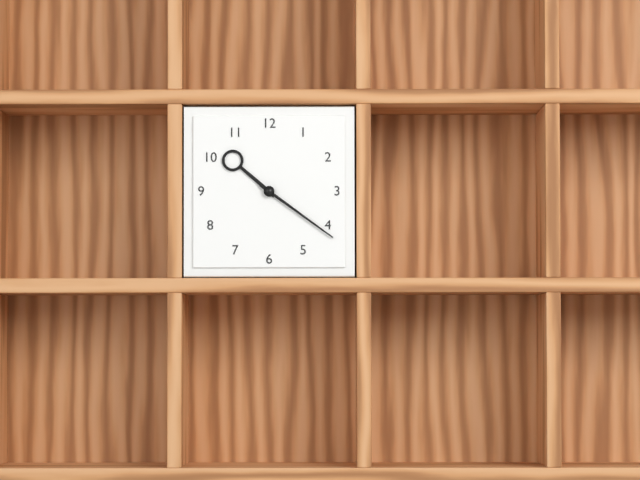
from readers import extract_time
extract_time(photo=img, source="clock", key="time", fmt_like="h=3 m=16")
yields h=10 m=21
